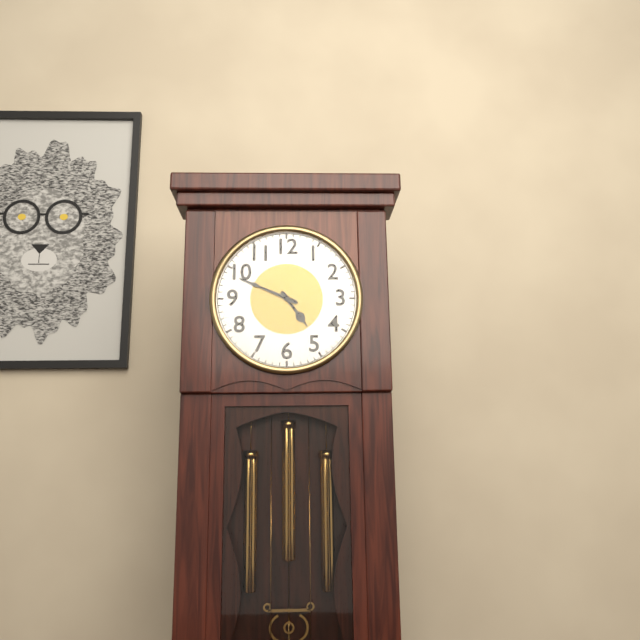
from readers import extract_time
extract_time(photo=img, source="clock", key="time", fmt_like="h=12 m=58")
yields h=4 m=49
